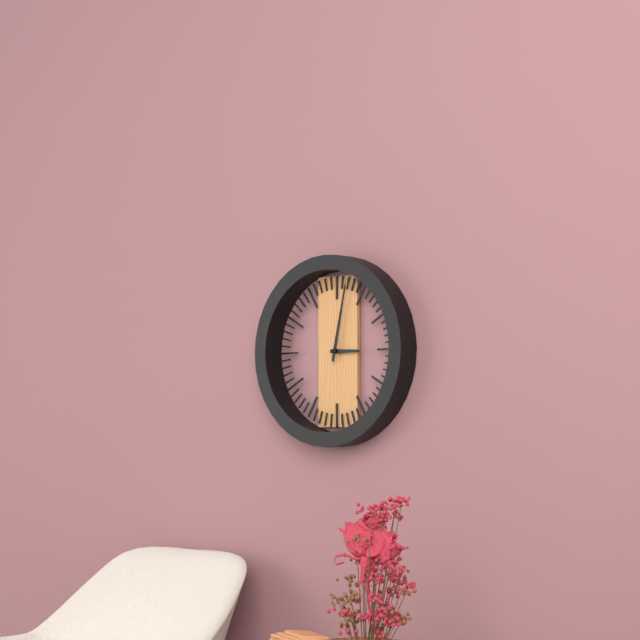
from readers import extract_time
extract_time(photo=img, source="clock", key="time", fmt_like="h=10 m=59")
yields h=3 m=2
